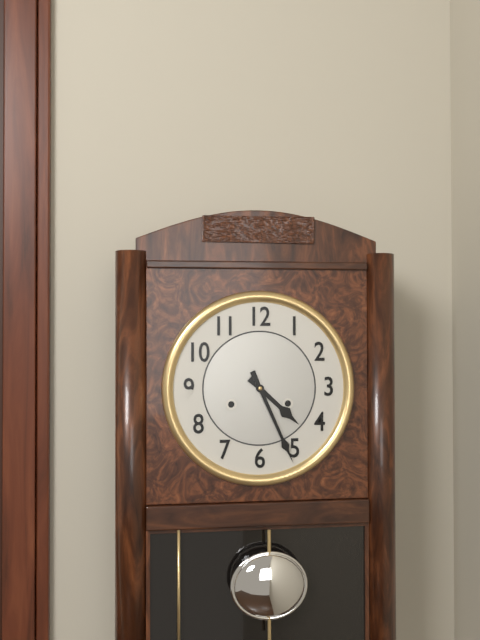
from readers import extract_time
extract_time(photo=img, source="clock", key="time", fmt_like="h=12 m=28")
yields h=4 m=26
